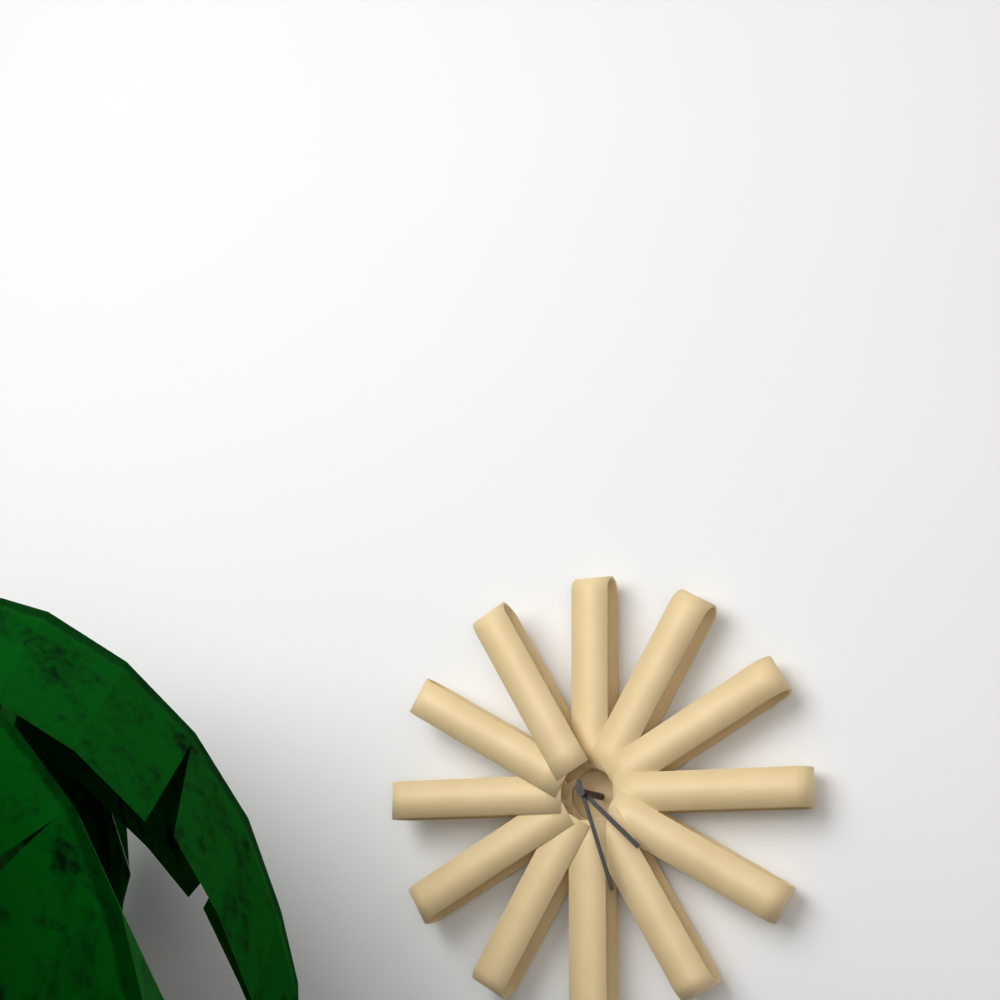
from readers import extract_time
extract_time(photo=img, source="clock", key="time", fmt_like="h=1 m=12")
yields h=4 m=27
